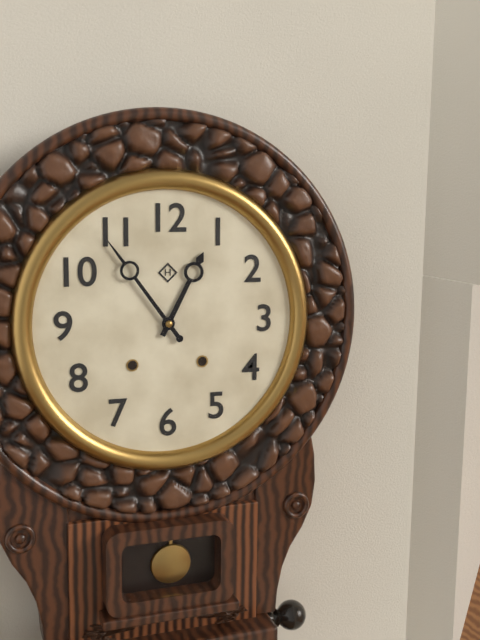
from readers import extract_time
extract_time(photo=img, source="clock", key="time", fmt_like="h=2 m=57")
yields h=12 m=54
